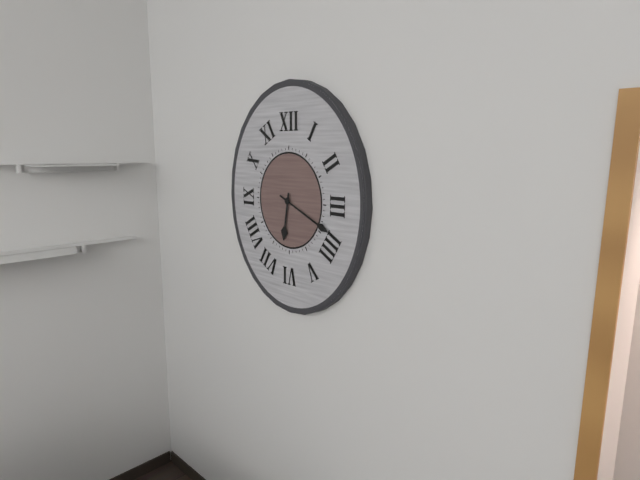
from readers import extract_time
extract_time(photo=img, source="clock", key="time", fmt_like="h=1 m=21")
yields h=6 m=19
